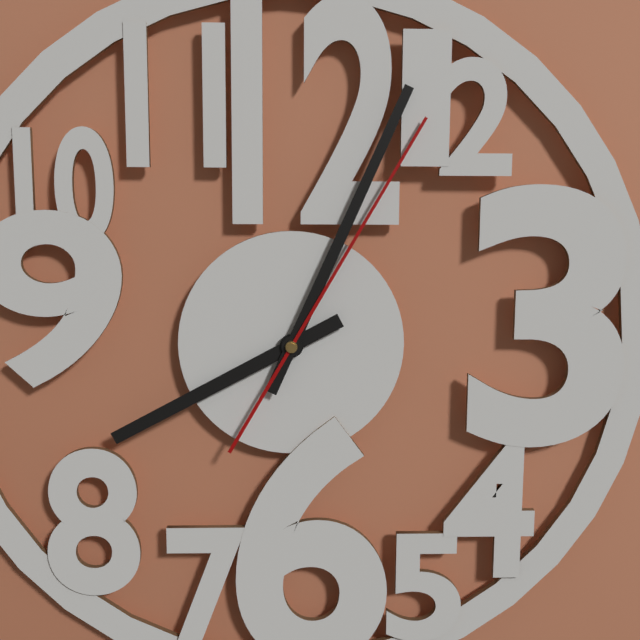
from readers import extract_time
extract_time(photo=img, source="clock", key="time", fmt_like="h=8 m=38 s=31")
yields h=8 m=4 s=5
